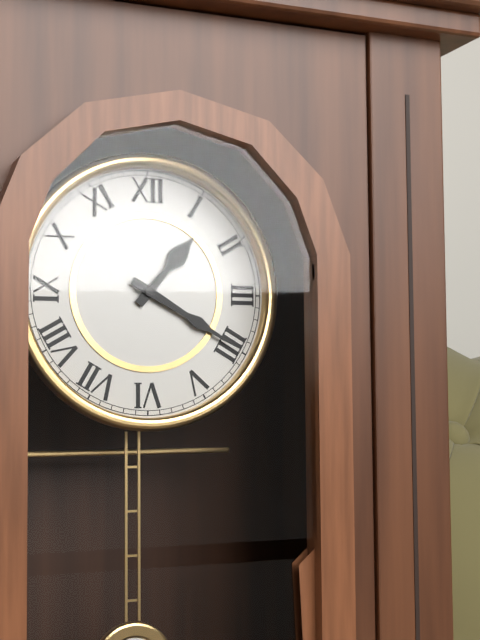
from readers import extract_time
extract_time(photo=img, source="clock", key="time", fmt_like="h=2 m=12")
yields h=1 m=20
